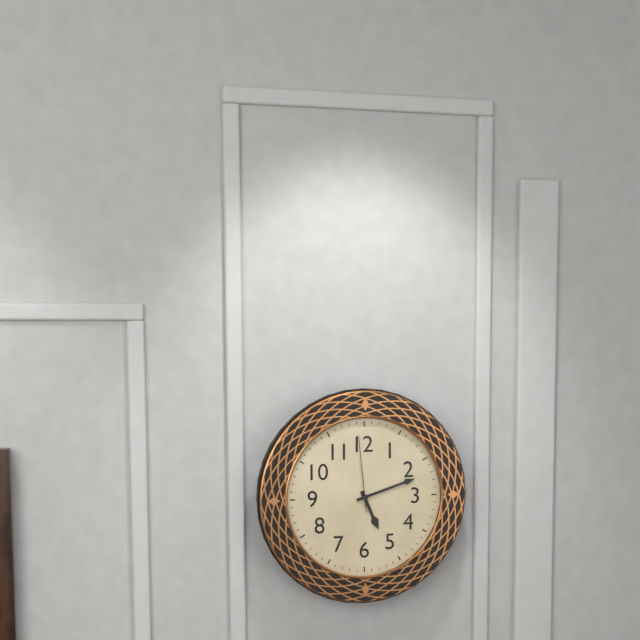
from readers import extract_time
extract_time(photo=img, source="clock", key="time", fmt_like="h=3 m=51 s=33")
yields h=5 m=12 s=59
